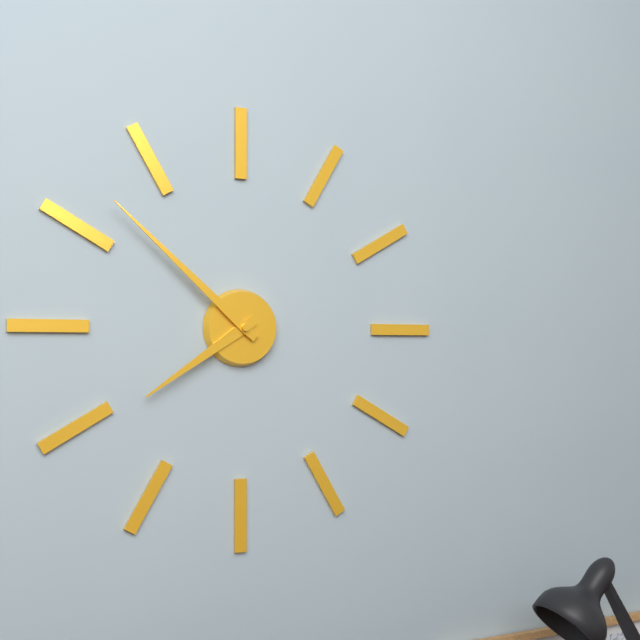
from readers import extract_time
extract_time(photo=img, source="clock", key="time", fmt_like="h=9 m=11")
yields h=7 m=52
